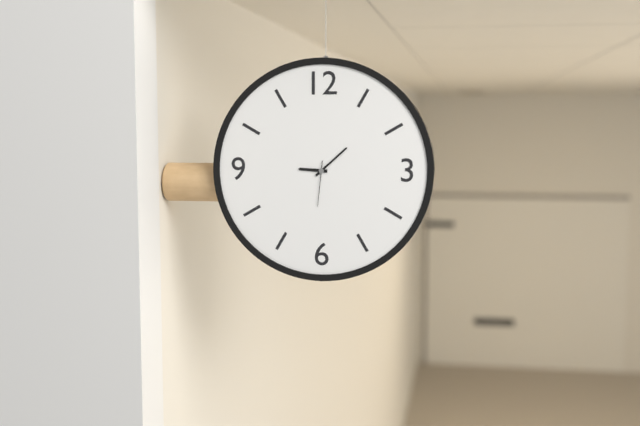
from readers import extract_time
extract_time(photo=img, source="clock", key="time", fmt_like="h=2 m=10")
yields h=9 m=8
